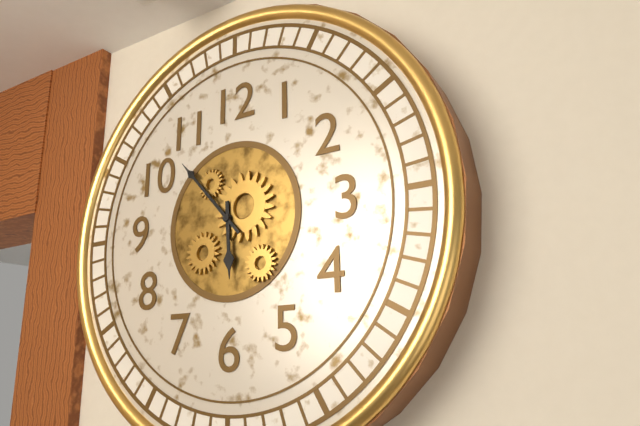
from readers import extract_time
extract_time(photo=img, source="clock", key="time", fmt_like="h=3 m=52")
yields h=5 m=53
